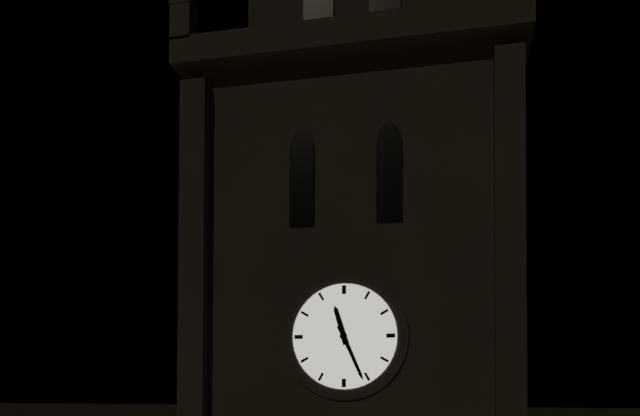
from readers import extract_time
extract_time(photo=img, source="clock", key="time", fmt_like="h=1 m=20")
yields h=11 m=26
